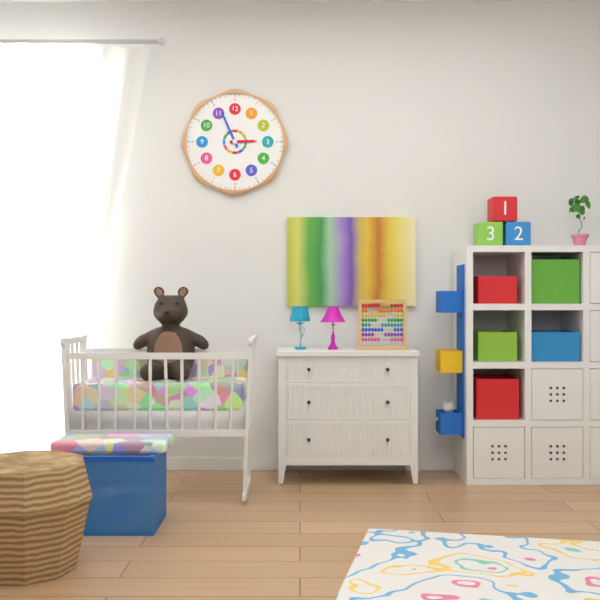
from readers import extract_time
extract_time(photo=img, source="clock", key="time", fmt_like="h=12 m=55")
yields h=2 m=56
